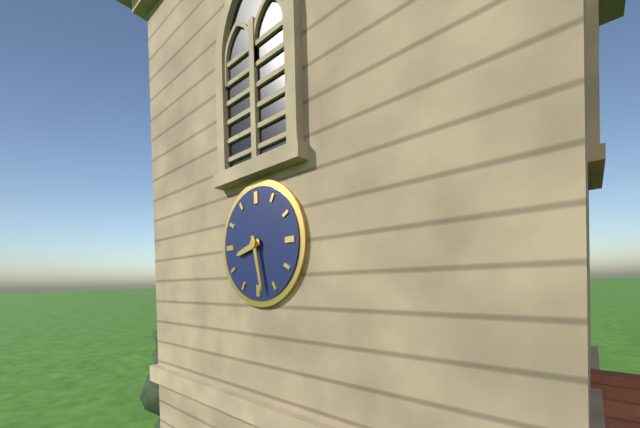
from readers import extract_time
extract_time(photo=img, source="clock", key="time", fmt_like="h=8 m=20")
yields h=8 m=28
